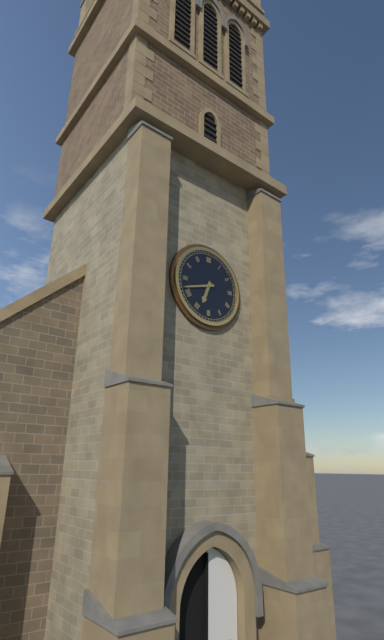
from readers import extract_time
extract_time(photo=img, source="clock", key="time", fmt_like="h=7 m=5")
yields h=6 m=42
